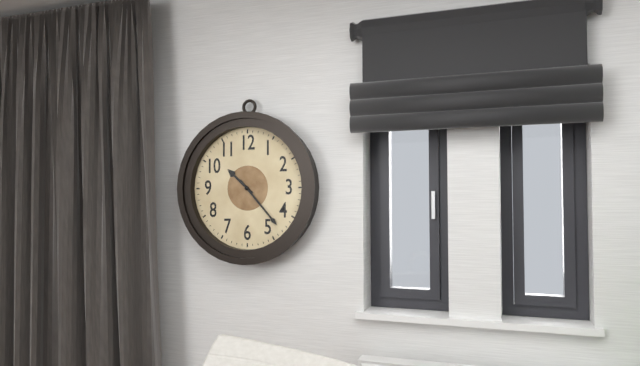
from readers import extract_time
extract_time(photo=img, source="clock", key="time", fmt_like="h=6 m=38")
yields h=10 m=23
